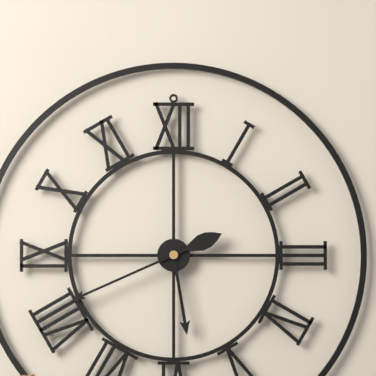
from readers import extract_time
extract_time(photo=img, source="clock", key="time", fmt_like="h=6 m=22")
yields h=5 m=41
